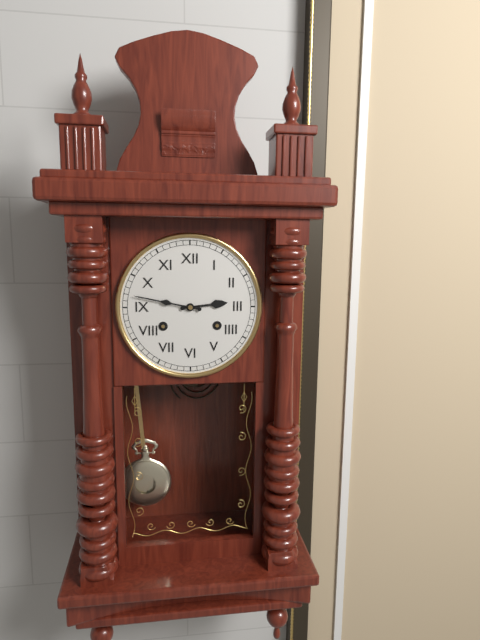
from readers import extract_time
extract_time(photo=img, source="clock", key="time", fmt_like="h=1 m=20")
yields h=2 m=47
